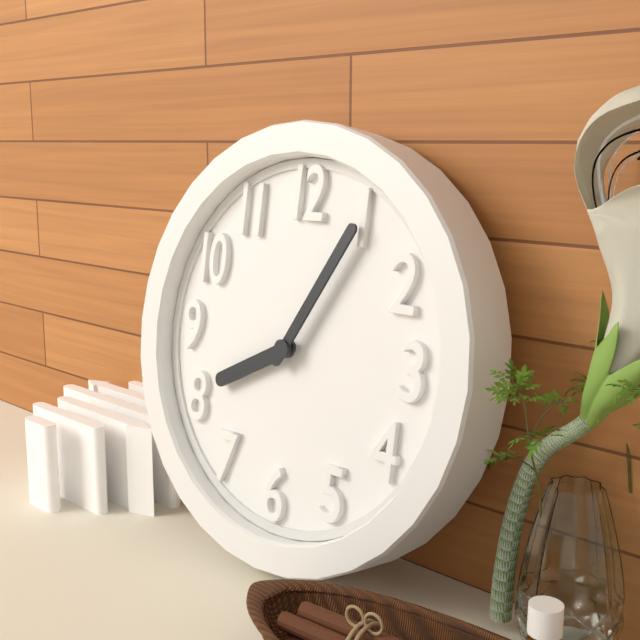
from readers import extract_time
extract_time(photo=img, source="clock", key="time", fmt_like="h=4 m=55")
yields h=8 m=5
